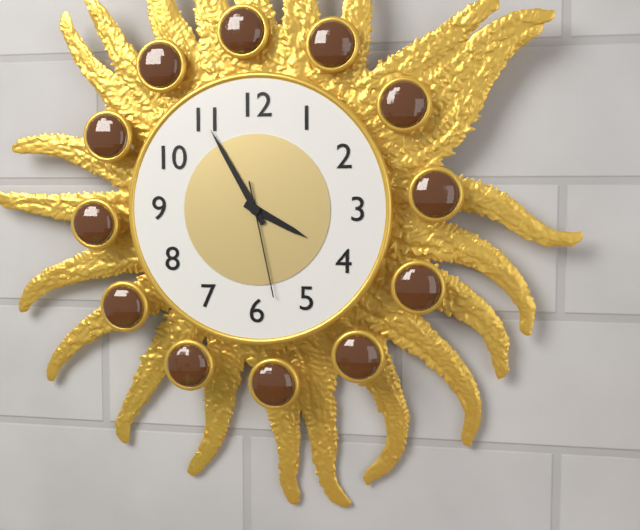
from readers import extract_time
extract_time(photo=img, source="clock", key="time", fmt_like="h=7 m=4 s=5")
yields h=3 m=55 s=28
